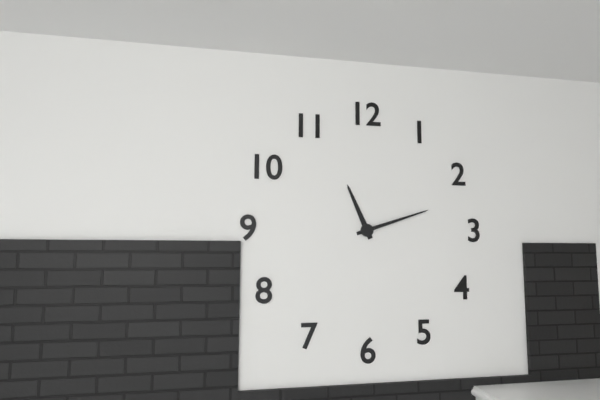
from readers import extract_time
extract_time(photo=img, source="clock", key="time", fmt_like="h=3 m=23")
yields h=11 m=12
